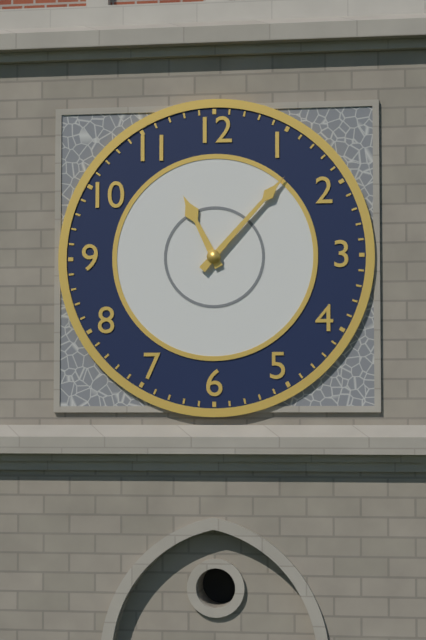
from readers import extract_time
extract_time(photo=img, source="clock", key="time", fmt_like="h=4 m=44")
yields h=11 m=7
